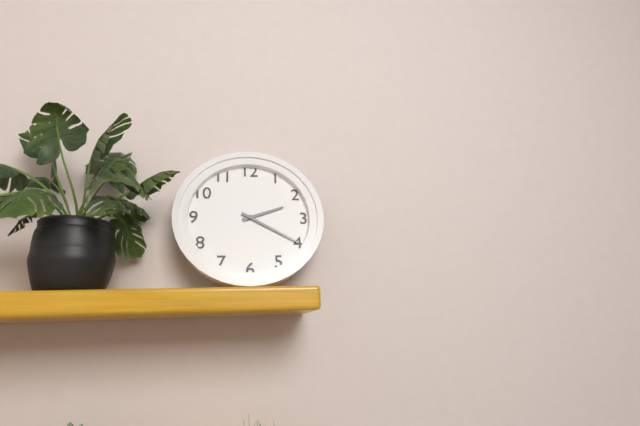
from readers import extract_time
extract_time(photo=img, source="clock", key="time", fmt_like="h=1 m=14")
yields h=2 m=20
